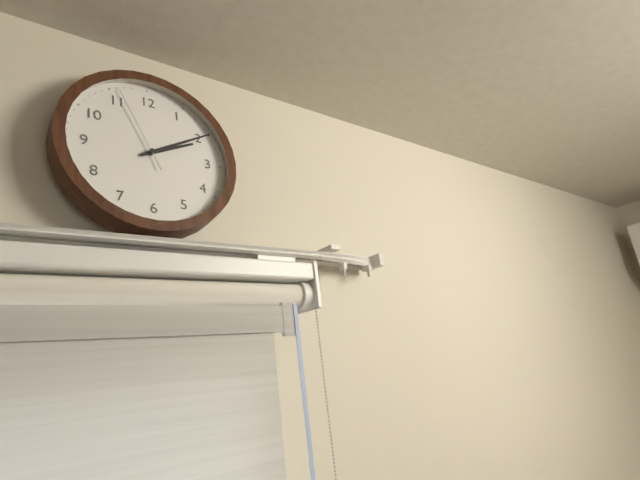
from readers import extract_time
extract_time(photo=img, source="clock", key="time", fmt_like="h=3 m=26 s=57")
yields h=2 m=10 s=56
